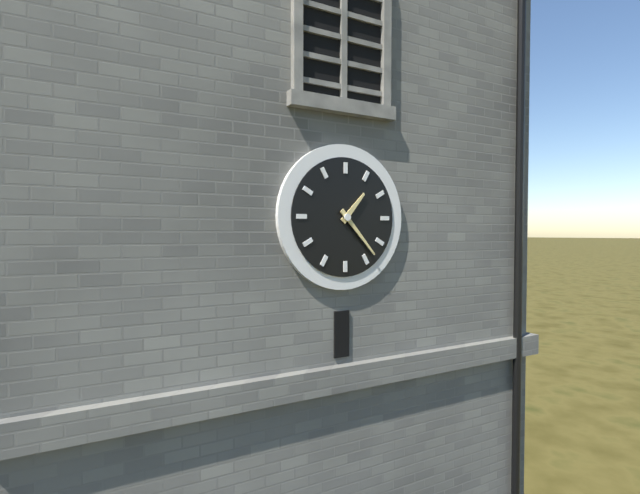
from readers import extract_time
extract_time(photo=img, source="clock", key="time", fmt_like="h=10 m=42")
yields h=1 m=23
